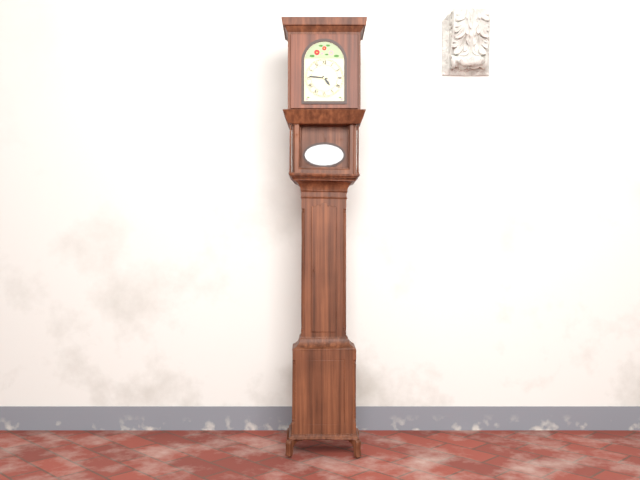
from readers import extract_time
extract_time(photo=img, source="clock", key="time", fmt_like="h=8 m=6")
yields h=4 m=46
